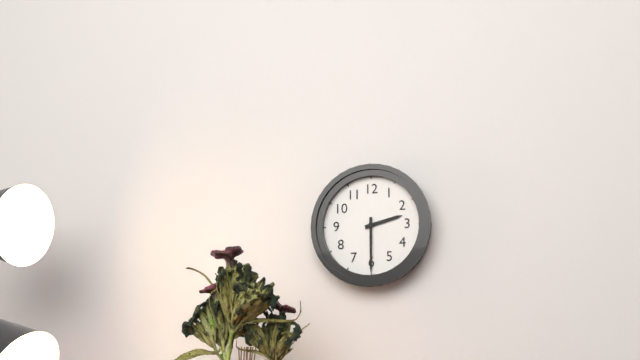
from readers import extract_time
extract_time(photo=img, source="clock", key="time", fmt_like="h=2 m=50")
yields h=2 m=30
